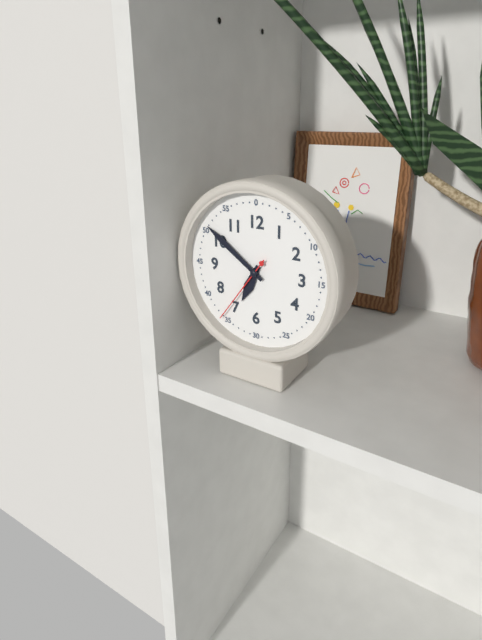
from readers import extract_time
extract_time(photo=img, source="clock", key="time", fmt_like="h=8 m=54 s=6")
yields h=6 m=51 s=36
